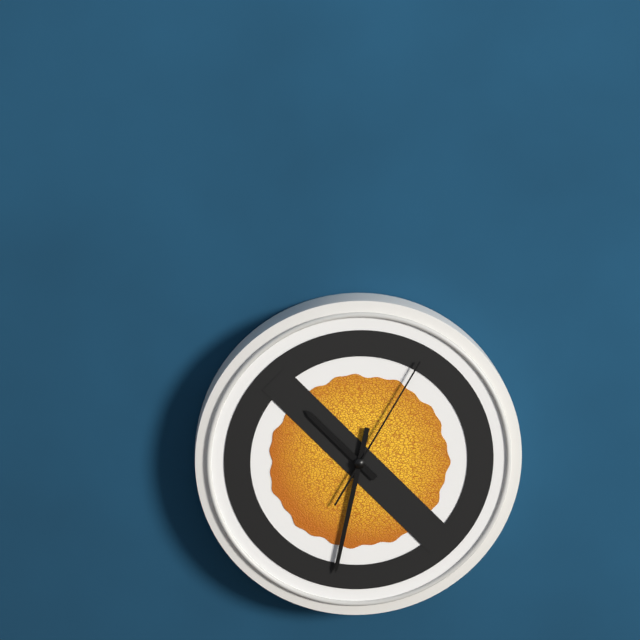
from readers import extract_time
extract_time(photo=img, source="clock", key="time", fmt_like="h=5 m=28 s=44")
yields h=10 m=32 s=5
